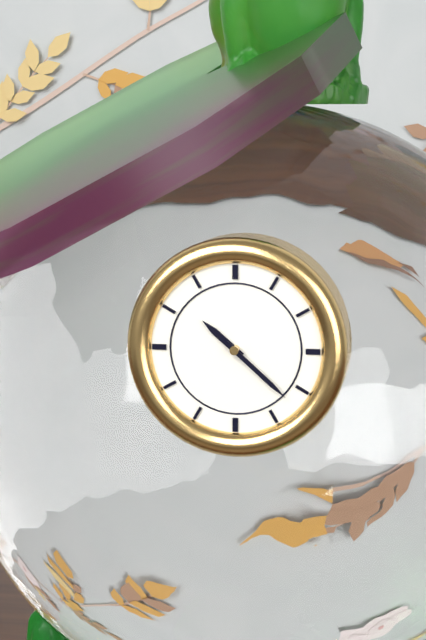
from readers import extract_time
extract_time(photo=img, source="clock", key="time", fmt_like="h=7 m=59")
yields h=10 m=22
